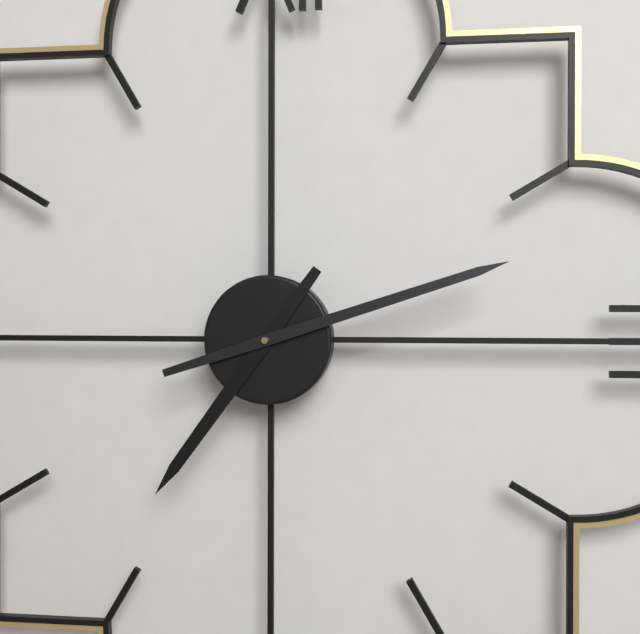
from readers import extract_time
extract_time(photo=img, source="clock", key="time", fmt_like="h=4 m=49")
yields h=7 m=12
